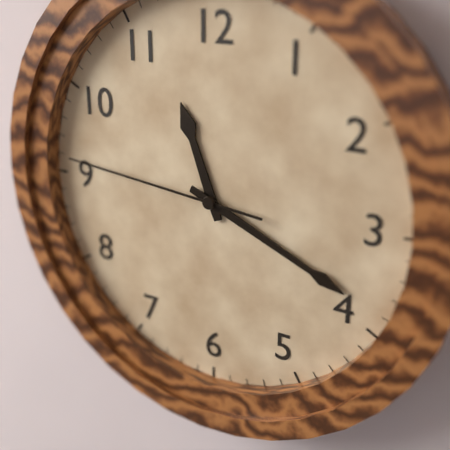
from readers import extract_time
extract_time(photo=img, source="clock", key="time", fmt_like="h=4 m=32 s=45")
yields h=11 m=19 s=46
